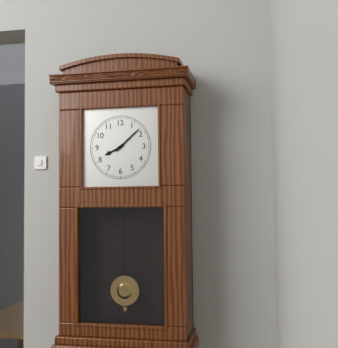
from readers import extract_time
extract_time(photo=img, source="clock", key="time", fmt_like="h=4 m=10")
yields h=8 m=8
